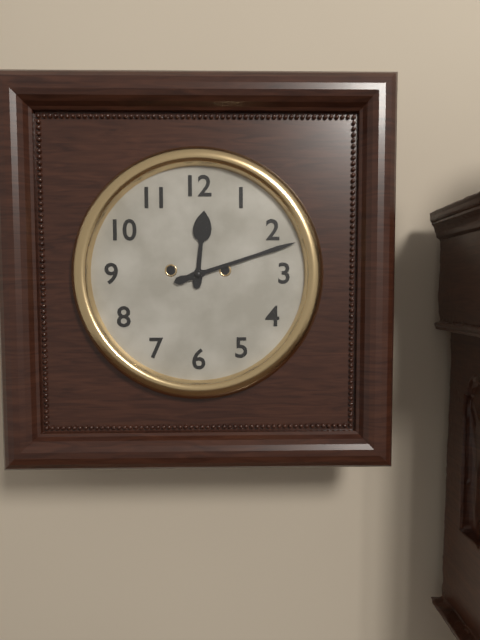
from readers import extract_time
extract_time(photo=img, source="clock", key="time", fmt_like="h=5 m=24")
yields h=12 m=12
